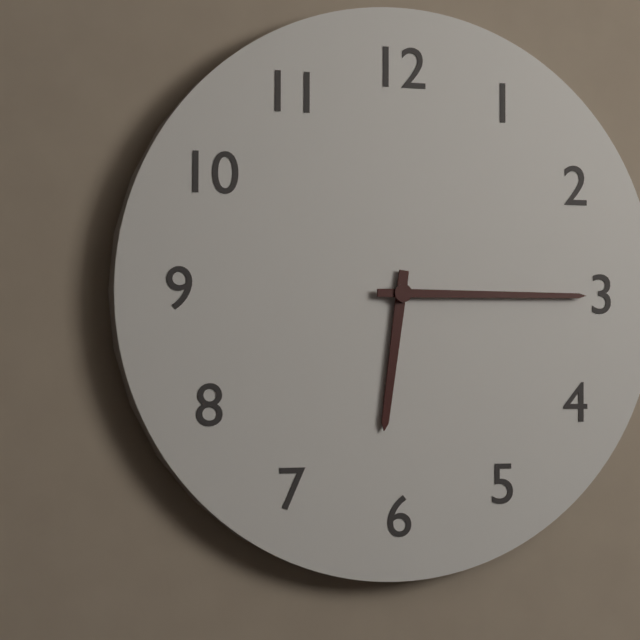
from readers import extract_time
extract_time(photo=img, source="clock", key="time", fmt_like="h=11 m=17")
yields h=6 m=15
